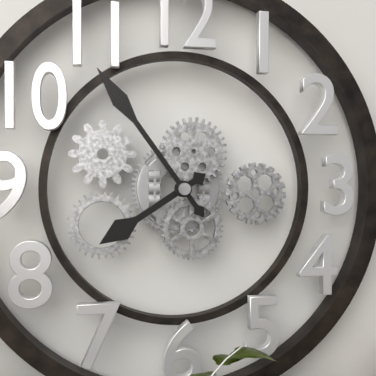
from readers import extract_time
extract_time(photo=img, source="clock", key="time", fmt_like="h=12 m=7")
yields h=7 m=54
